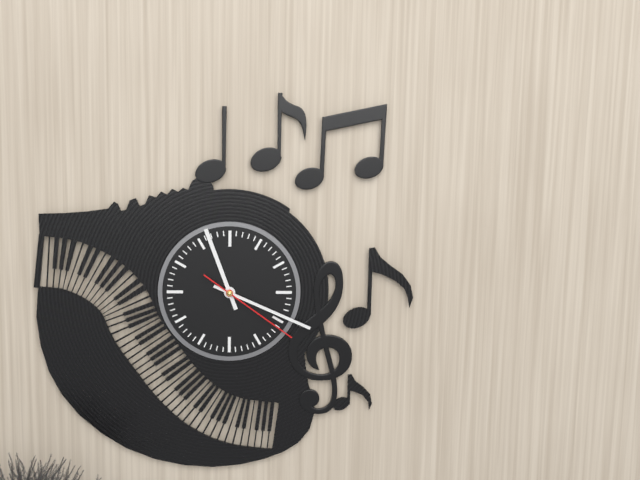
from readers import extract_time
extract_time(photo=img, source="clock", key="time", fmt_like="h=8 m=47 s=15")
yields h=11 m=19 s=21
